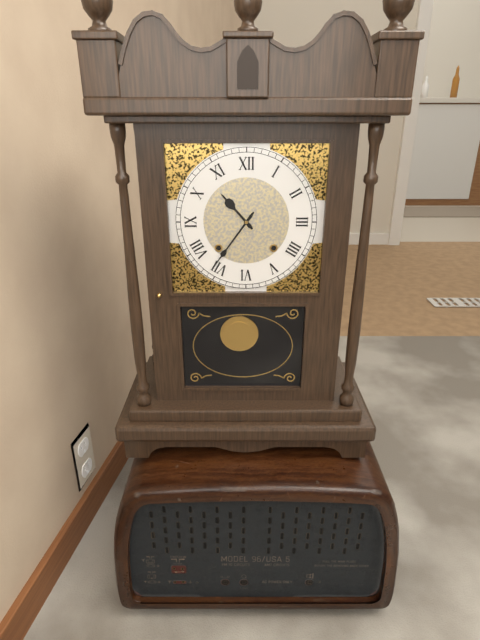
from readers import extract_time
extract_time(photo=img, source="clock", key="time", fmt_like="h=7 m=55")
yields h=10 m=36
